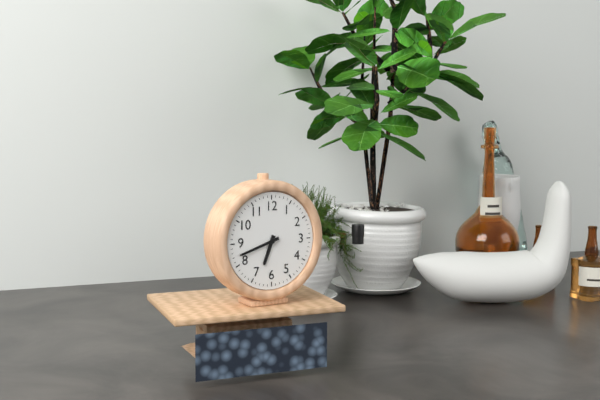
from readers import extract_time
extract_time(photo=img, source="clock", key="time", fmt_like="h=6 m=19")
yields h=6 m=42
